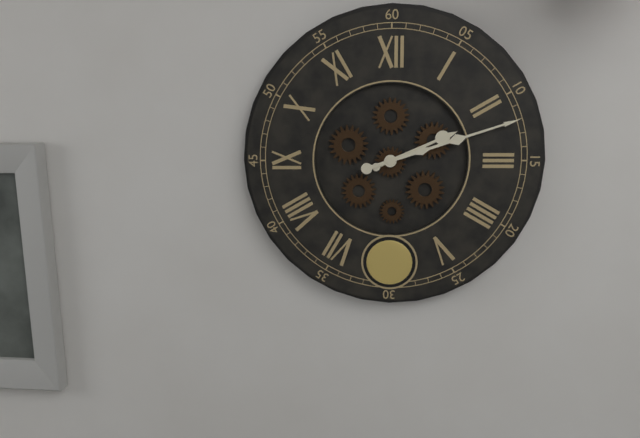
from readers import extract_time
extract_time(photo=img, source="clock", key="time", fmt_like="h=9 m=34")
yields h=2 m=12
